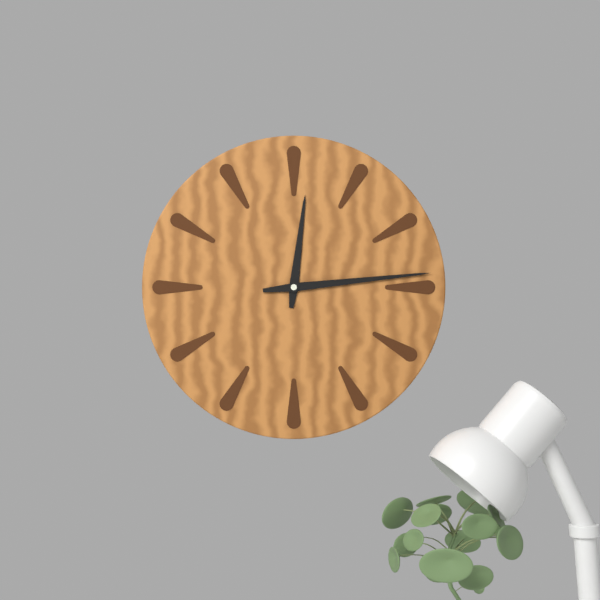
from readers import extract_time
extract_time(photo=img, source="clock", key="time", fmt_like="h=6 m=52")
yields h=12 m=14
